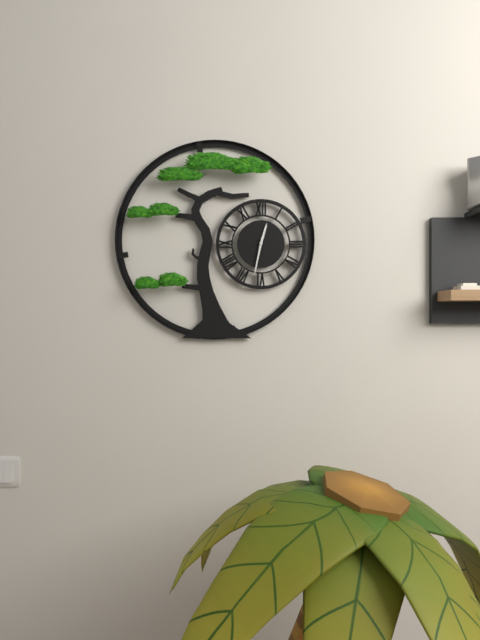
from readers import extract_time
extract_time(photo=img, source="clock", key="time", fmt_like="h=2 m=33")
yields h=12 m=32
